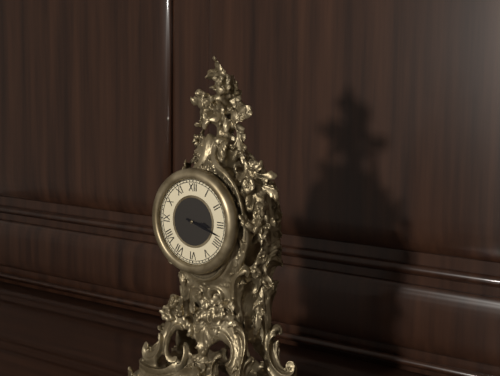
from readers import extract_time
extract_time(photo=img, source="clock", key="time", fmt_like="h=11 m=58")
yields h=3 m=18
